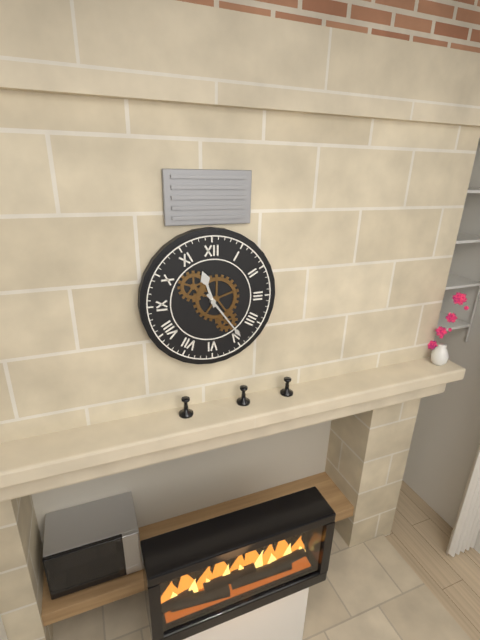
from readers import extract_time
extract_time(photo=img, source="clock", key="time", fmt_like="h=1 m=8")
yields h=11 m=24
